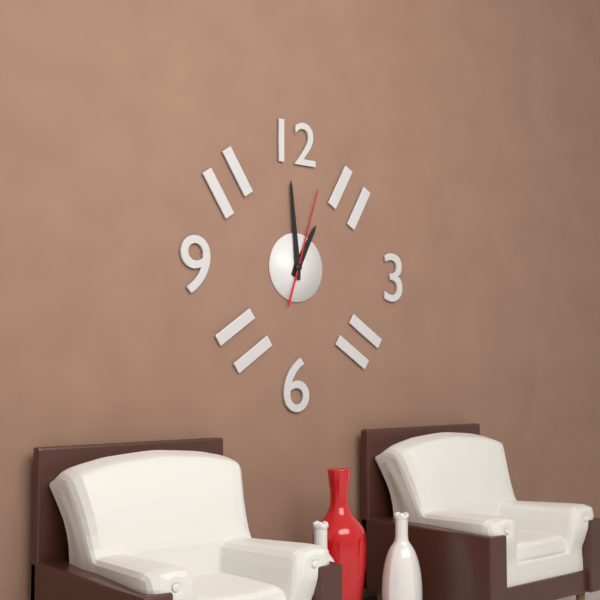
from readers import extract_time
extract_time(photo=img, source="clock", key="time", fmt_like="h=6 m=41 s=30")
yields h=12 m=59 s=3
